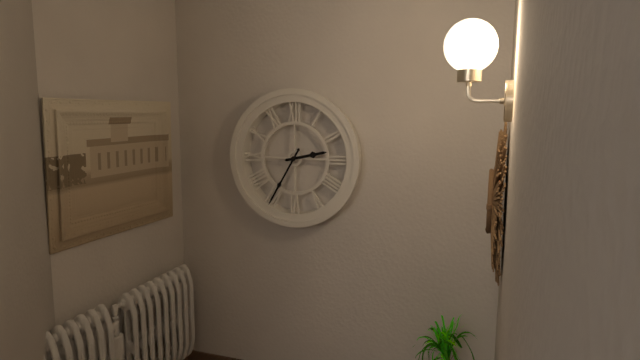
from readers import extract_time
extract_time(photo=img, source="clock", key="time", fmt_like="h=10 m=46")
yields h=2 m=35
